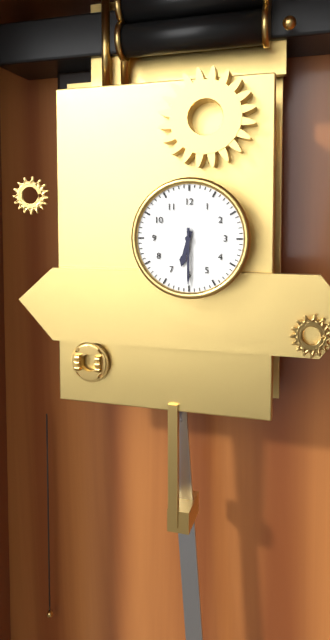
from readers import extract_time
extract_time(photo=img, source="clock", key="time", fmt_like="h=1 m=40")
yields h=6 m=30
